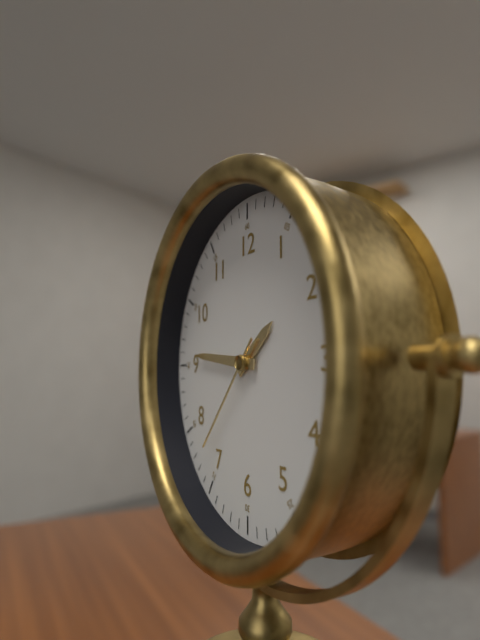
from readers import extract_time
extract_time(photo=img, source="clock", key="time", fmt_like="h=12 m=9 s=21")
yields h=1 m=46 s=37
